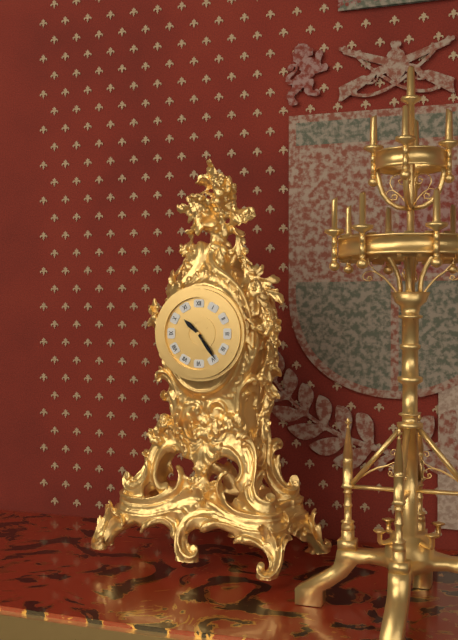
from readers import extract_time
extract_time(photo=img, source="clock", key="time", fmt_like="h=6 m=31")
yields h=10 m=24
